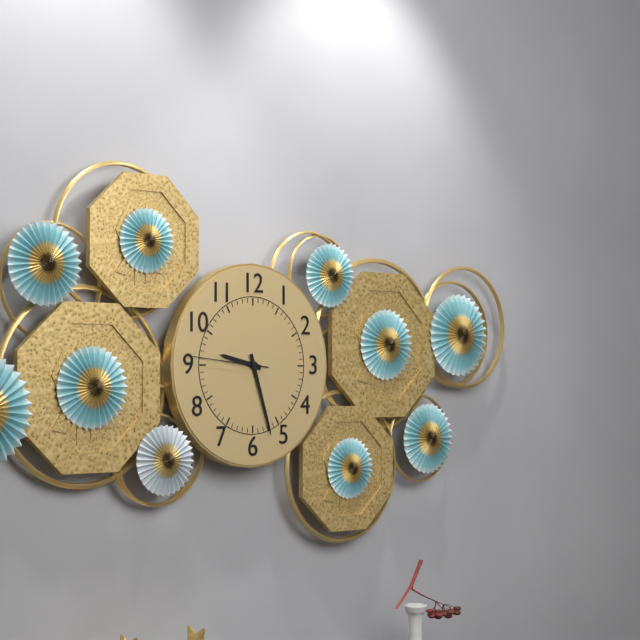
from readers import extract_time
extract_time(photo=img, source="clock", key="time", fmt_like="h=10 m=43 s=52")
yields h=9 m=27 s=46
